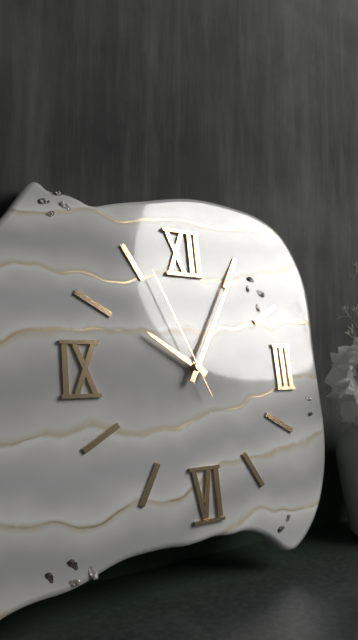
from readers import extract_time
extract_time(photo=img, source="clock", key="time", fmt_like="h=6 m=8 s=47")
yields h=10 m=5 s=56
